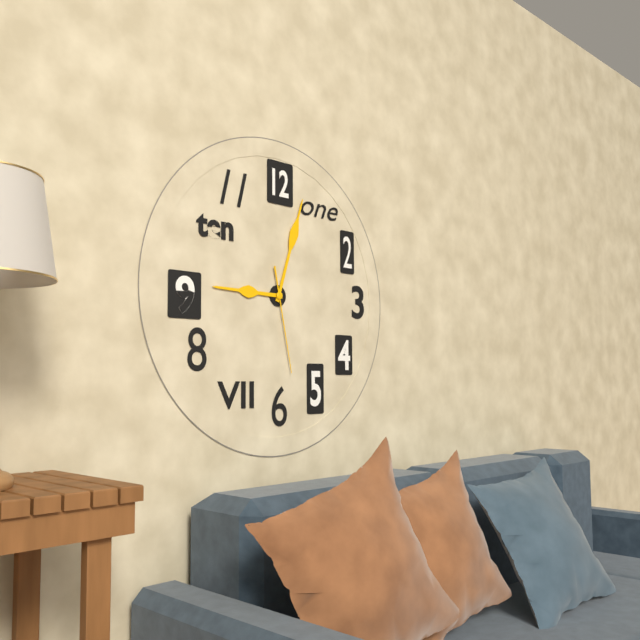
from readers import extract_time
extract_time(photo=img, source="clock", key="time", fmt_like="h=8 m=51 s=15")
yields h=9 m=3 s=28
